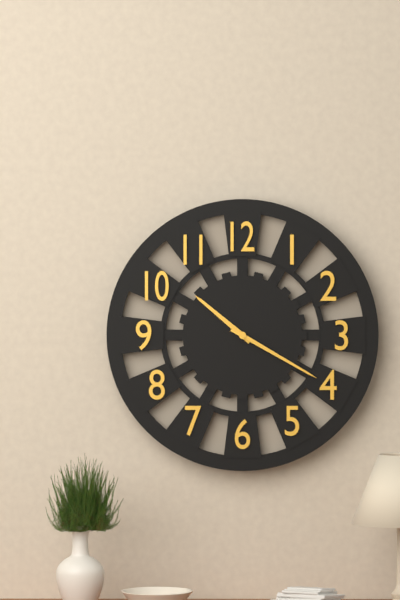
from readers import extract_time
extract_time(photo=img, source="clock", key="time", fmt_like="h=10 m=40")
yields h=10 m=20
